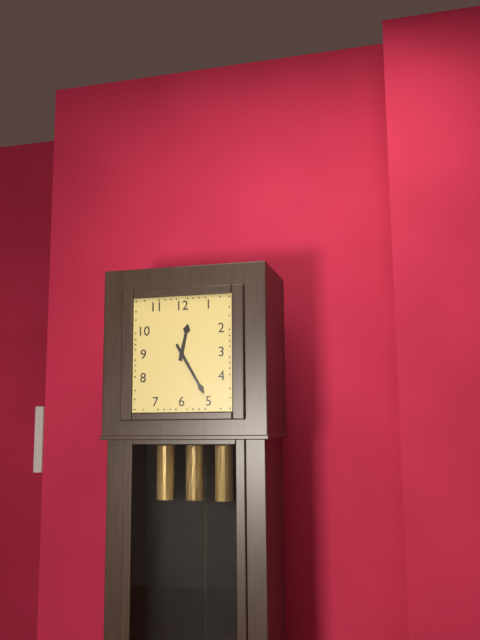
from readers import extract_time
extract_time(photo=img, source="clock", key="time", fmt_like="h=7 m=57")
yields h=12 m=25
